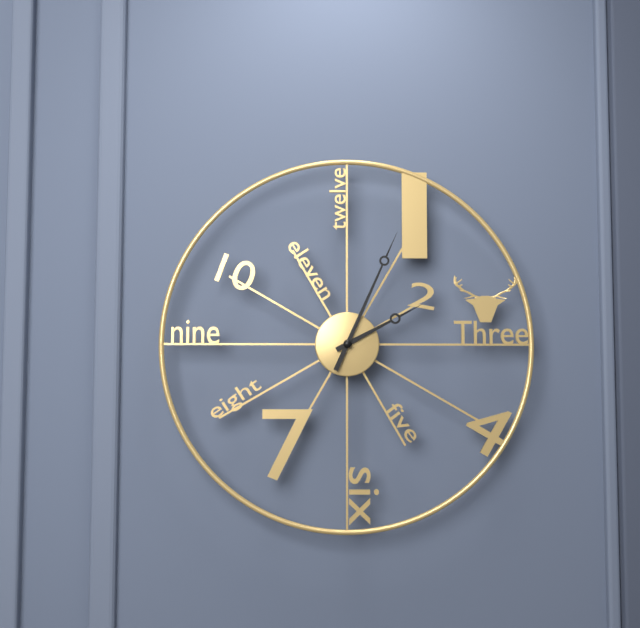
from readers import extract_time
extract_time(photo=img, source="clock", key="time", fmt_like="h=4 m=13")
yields h=2 m=4
